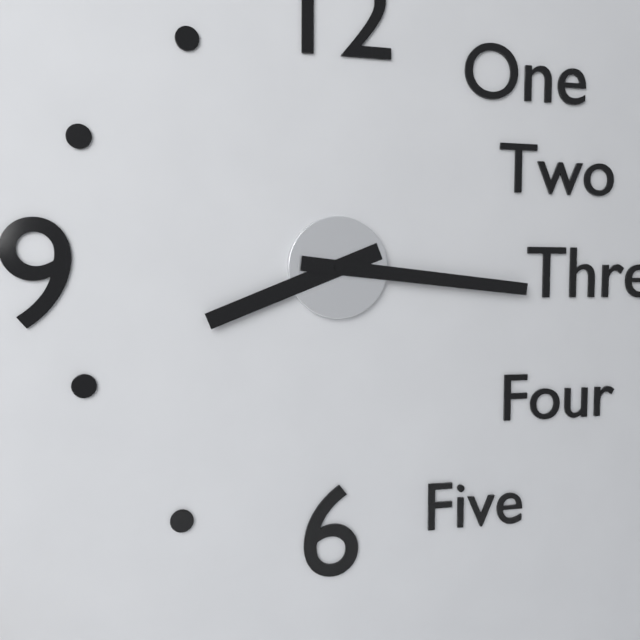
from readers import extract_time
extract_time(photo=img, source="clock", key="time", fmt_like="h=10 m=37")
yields h=8 m=16
